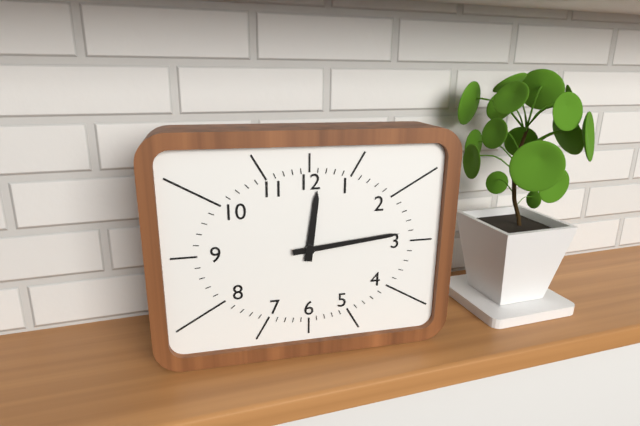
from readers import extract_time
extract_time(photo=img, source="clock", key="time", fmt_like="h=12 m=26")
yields h=12 m=14
